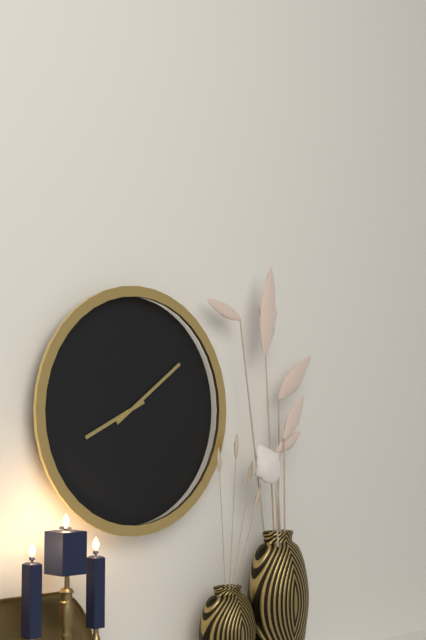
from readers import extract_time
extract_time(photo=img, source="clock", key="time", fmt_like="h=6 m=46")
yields h=8 m=9
